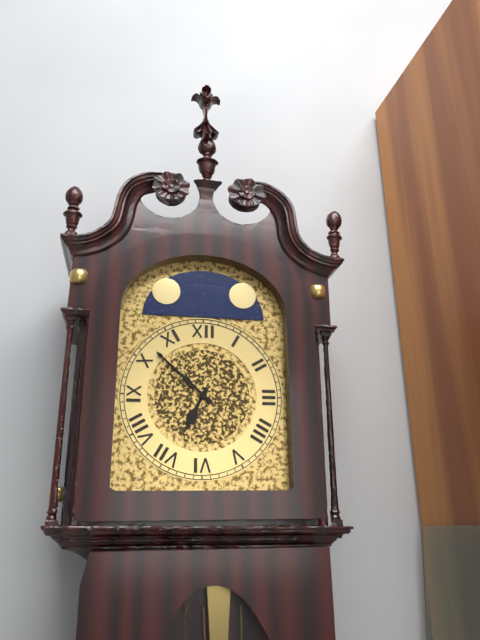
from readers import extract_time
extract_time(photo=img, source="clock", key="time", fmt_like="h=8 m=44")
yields h=6 m=52
